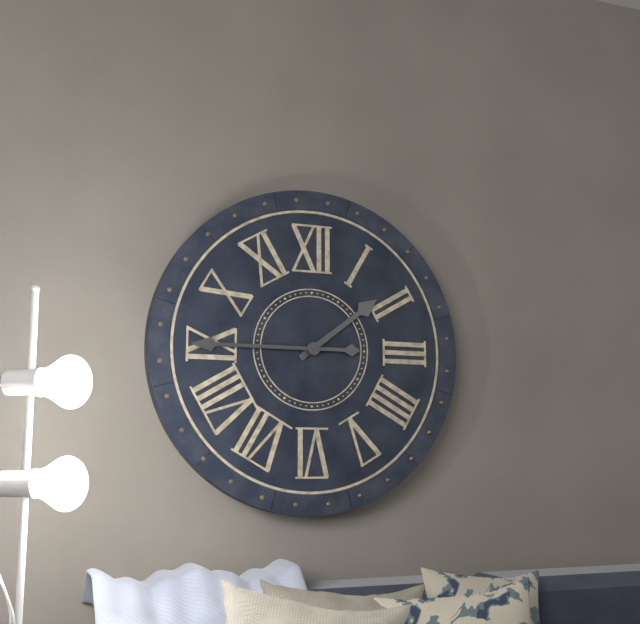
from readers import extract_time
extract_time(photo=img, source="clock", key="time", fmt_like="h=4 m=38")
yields h=1 m=45
